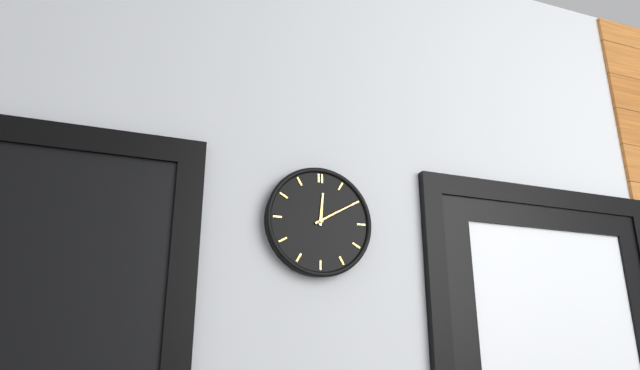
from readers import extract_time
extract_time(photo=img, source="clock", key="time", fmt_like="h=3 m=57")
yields h=12 m=10
